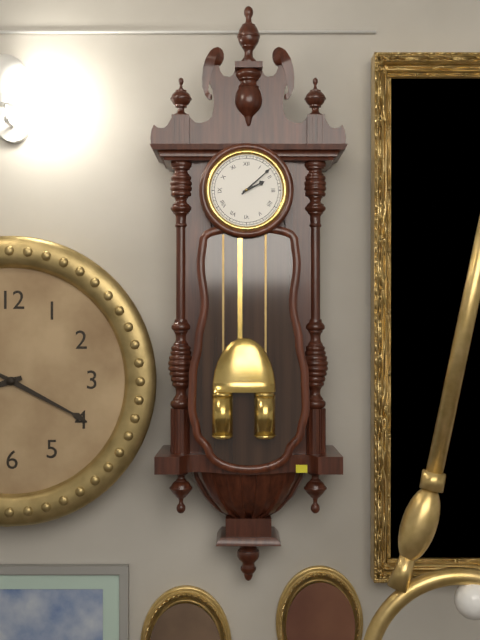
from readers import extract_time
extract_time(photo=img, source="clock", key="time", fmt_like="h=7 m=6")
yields h=2 m=8
